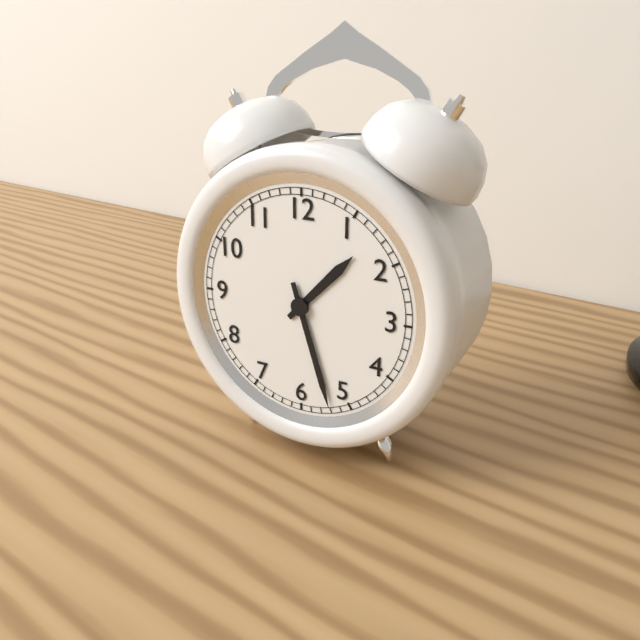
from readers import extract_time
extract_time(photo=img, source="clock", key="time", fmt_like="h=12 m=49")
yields h=1 m=27
